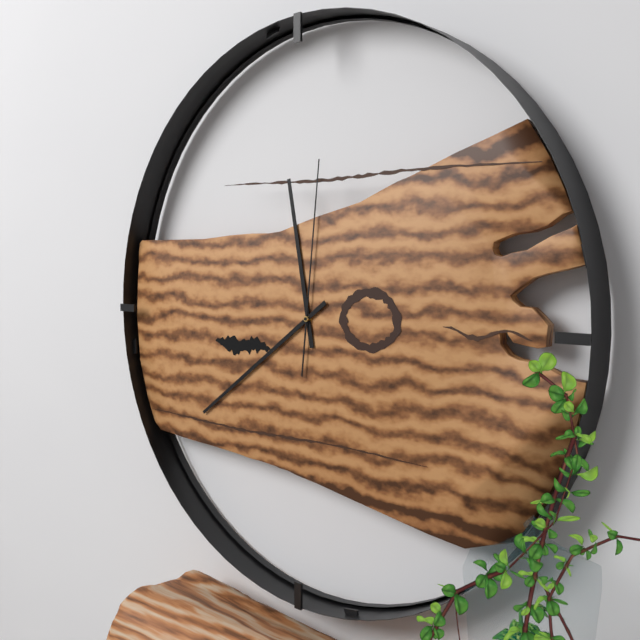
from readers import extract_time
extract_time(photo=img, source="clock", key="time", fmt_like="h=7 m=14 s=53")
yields h=11 m=39 s=1
